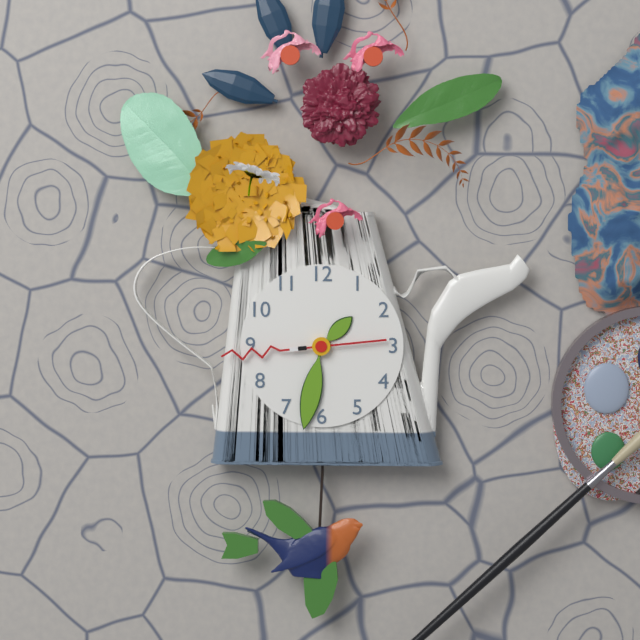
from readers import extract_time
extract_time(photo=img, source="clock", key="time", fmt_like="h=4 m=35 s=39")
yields h=1 m=32 s=44
